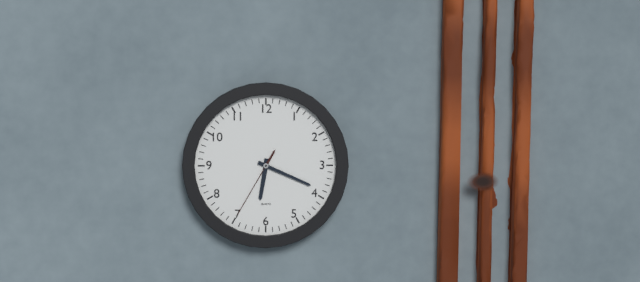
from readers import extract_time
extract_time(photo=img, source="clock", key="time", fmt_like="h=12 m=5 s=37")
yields h=6 m=19 s=35
